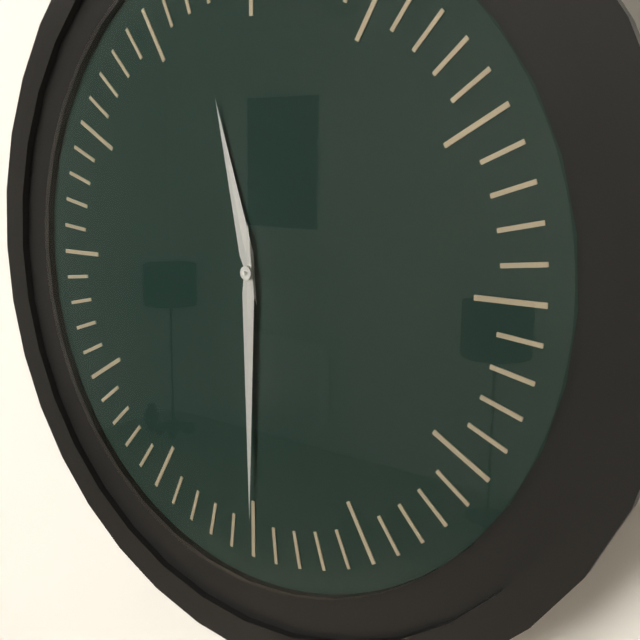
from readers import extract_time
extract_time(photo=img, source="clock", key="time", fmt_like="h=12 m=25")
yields h=11 m=30
